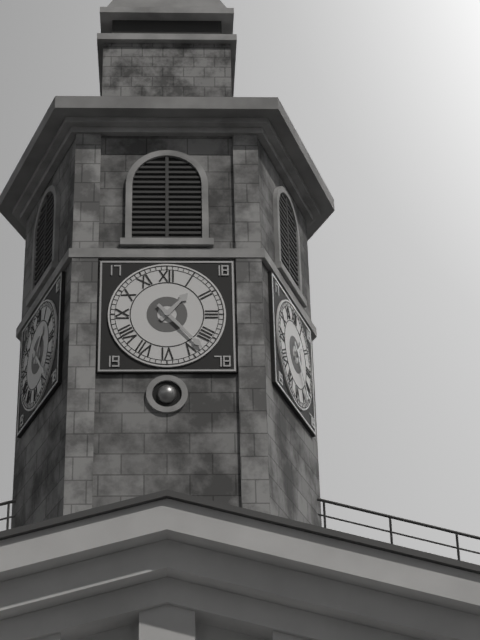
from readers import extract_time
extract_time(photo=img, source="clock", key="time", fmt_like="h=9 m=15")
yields h=1 m=23
